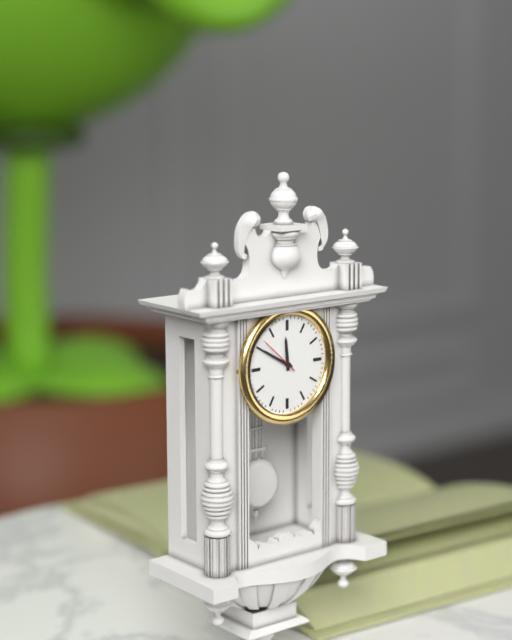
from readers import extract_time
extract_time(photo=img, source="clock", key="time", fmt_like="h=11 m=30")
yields h=11 m=50
